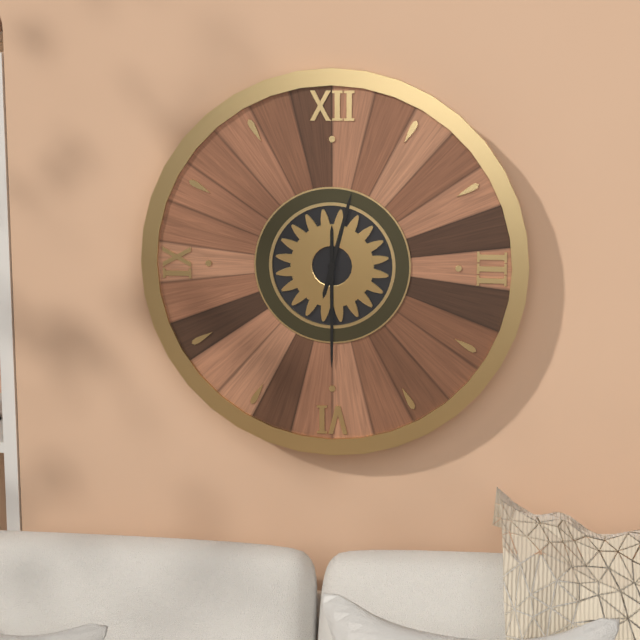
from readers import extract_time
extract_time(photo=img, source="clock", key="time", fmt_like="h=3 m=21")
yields h=12 m=30
